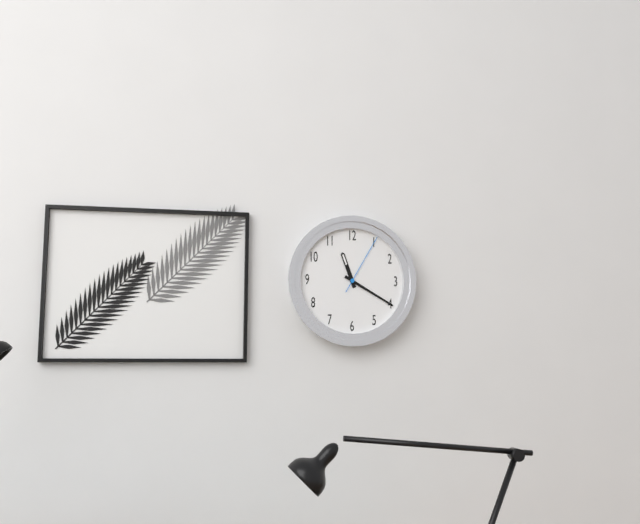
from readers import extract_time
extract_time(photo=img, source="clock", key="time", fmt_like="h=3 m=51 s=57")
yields h=11 m=20 s=5
